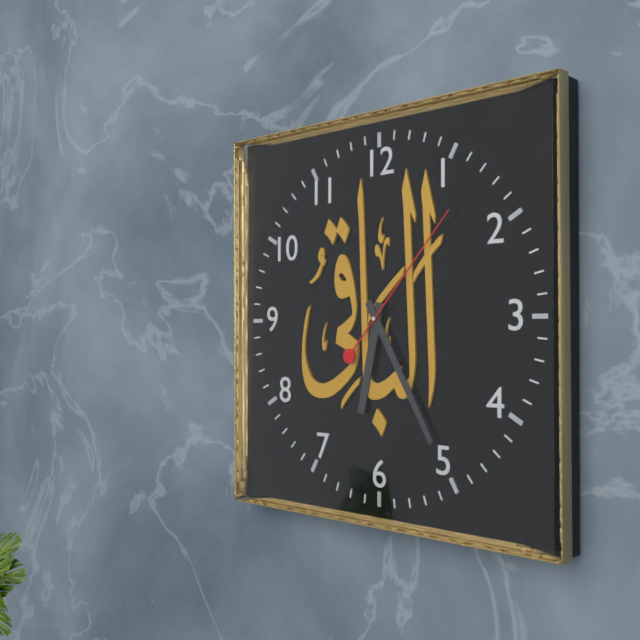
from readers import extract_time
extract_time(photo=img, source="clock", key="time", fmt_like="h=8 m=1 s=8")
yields h=6 m=25 s=7
